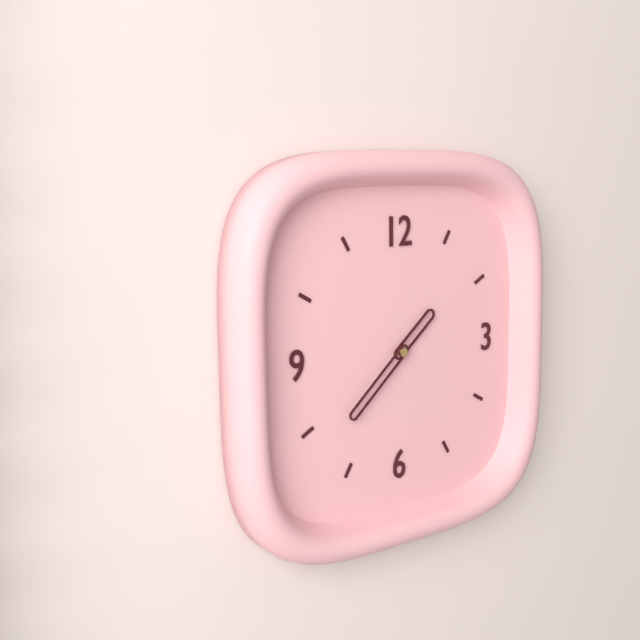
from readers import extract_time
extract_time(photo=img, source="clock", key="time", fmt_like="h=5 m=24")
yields h=1 m=38
